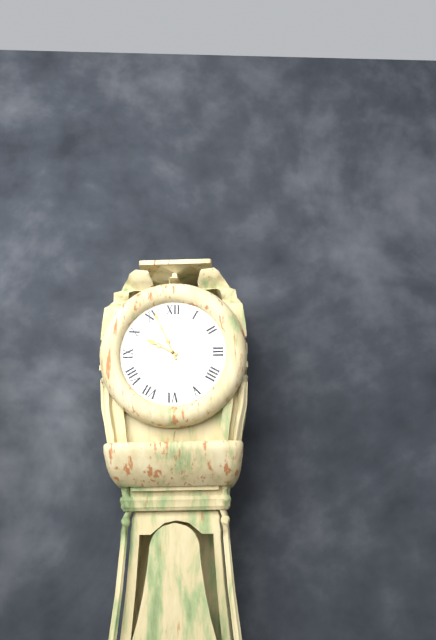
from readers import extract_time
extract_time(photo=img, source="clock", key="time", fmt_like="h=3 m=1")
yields h=9 m=56
